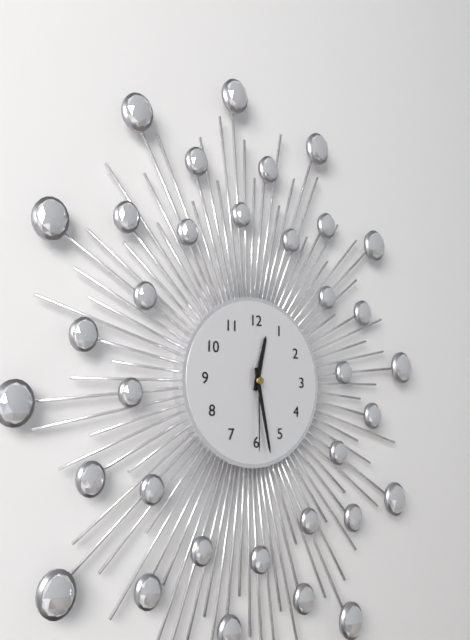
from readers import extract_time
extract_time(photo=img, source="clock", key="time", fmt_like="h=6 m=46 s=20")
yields h=12 m=28 s=30
